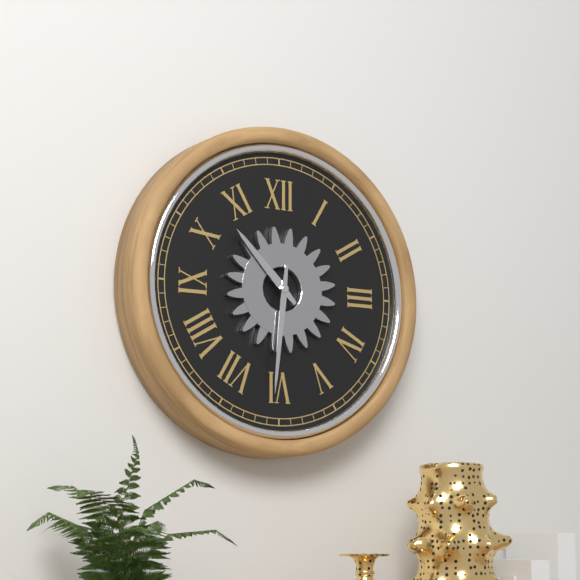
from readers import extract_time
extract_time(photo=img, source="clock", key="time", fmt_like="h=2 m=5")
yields h=10 m=31
